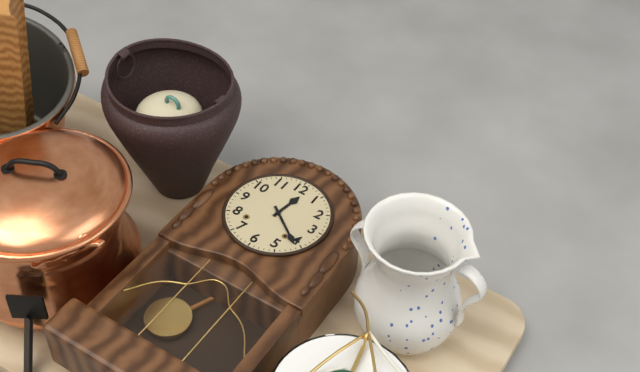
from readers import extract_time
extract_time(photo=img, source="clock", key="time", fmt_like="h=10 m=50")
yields h=12 m=21
